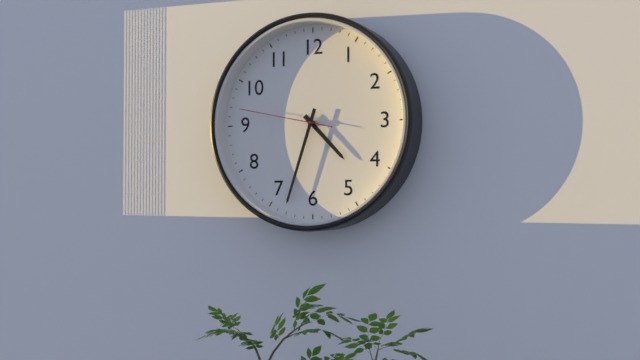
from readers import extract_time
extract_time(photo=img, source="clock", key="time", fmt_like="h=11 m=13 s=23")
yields h=4 m=33 s=47
